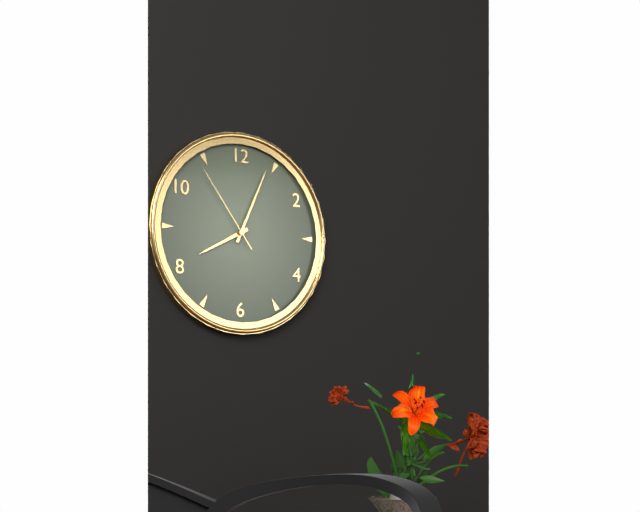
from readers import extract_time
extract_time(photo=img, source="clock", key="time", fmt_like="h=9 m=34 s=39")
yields h=8 m=4 s=54
